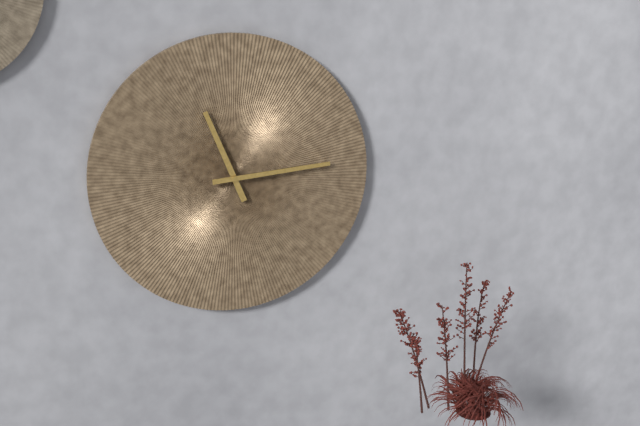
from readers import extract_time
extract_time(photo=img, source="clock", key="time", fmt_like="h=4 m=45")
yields h=11 m=14
